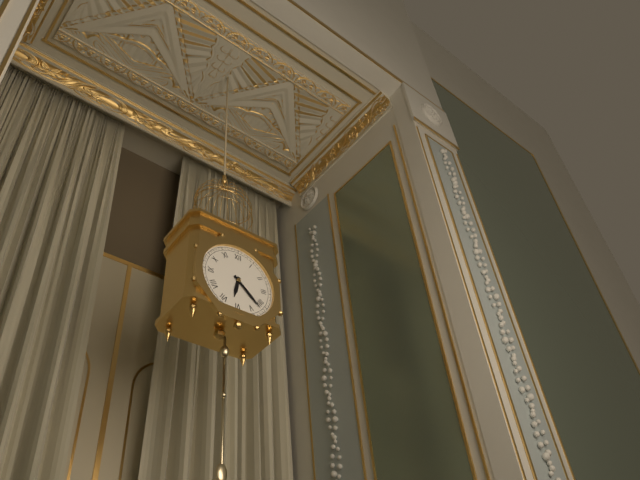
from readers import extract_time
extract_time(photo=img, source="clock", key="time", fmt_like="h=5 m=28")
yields h=6 m=22
